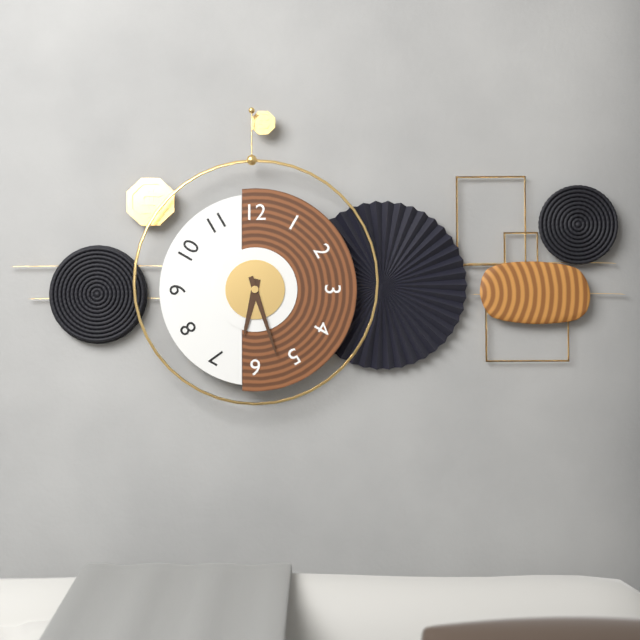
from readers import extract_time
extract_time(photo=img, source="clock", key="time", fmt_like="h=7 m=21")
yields h=6 m=27
